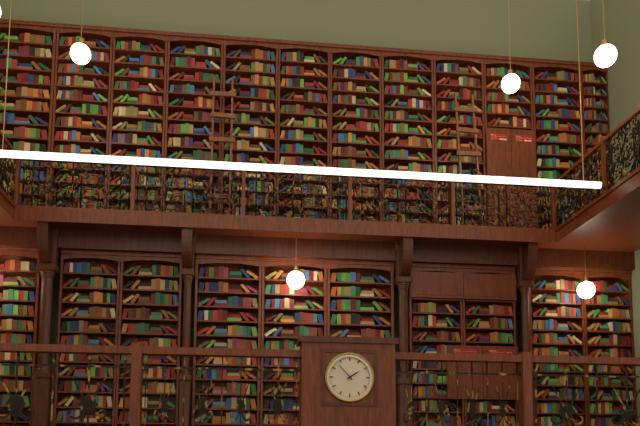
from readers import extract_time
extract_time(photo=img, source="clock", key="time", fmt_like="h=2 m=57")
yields h=1 m=53
